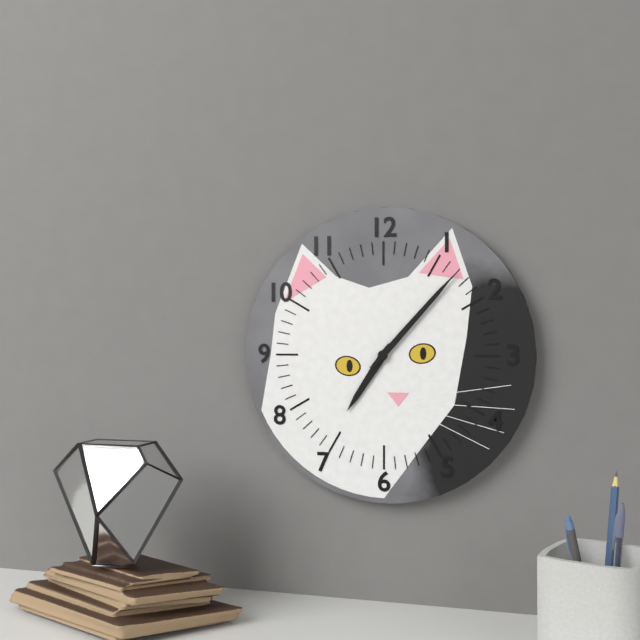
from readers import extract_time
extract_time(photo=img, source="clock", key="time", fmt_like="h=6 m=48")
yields h=7 m=7
